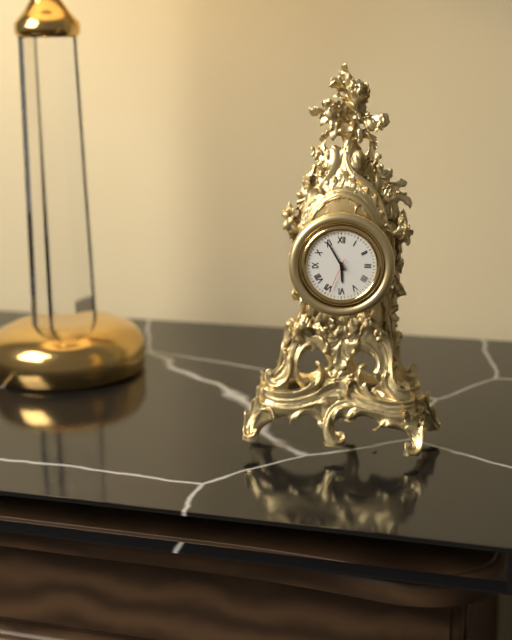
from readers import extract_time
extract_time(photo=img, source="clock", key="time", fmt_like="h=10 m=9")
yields h=5 m=55
